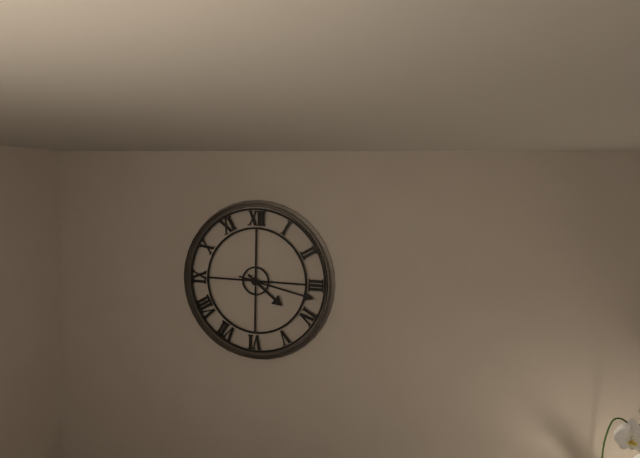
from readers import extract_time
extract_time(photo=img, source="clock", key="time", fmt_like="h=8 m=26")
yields h=4 m=17
